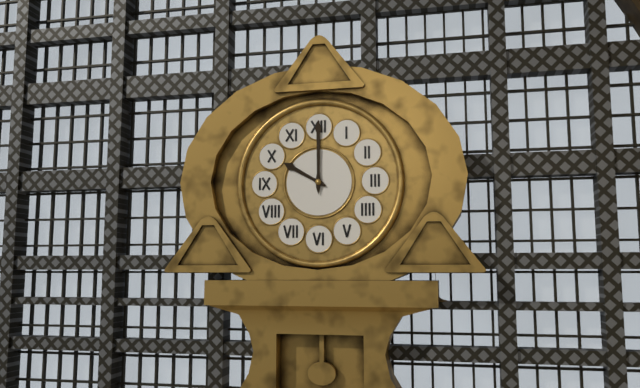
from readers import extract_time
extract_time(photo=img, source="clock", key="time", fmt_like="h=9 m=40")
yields h=10 m=0
